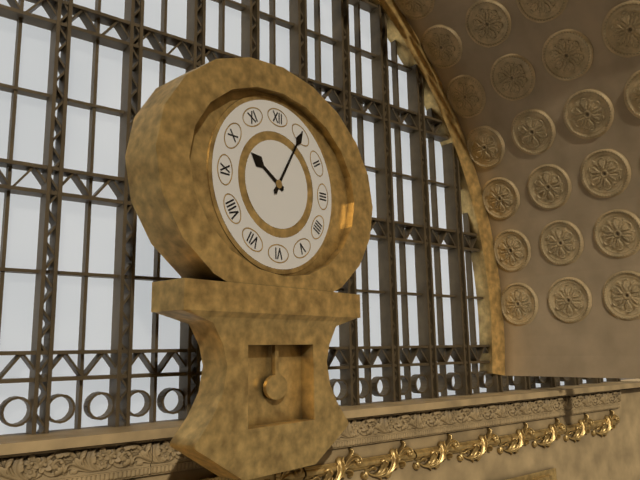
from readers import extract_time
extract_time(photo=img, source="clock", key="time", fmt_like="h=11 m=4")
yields h=10 m=5
